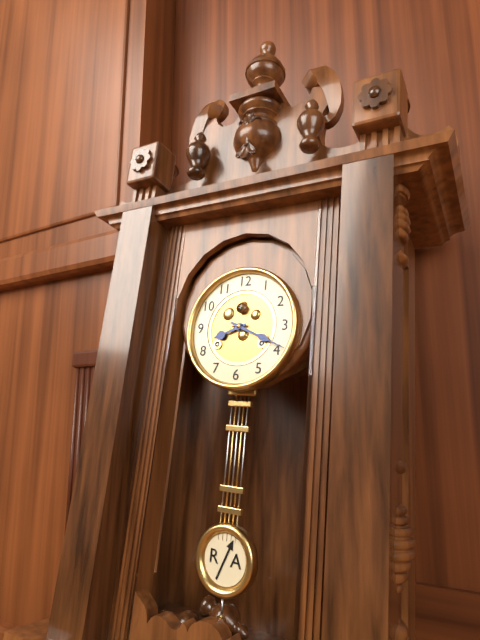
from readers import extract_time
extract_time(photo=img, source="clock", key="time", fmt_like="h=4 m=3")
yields h=8 m=19
